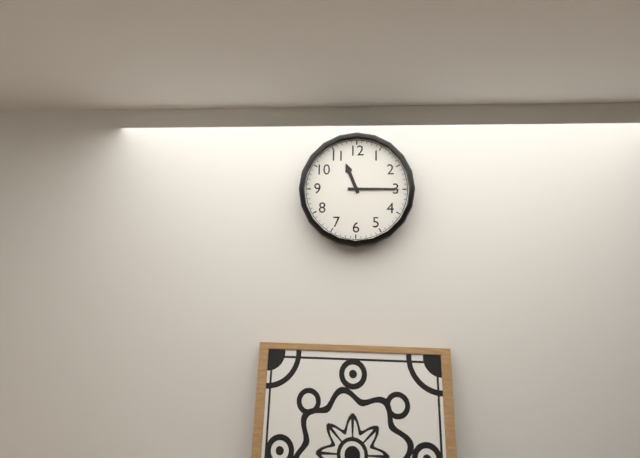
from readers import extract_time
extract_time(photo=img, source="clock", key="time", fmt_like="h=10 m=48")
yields h=11 m=15
